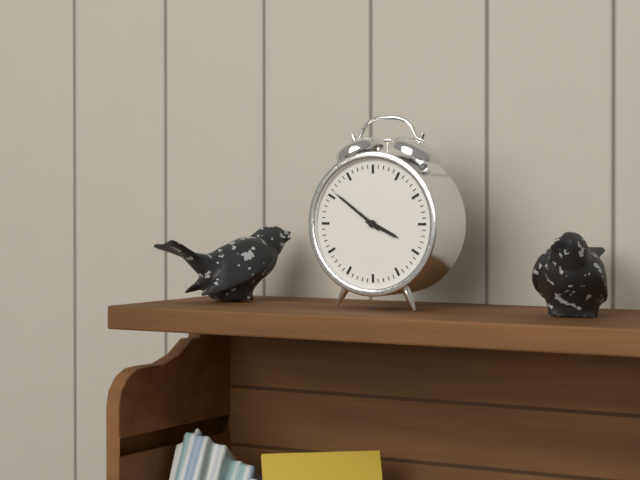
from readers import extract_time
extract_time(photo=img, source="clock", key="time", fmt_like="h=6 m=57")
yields h=3 m=51
